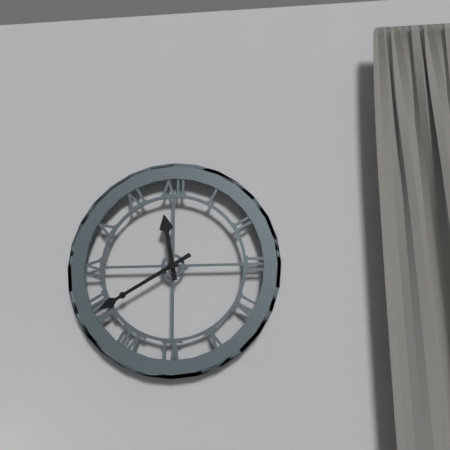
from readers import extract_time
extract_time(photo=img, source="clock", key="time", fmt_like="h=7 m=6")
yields h=11 m=40
